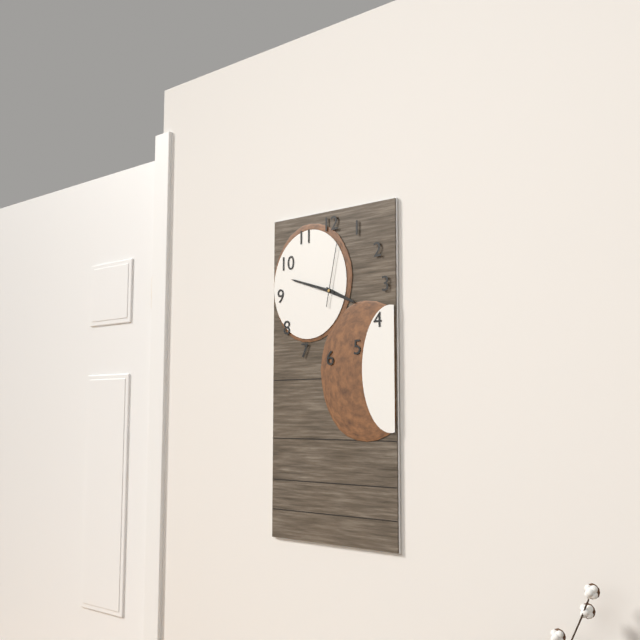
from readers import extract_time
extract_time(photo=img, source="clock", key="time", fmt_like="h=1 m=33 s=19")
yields h=3 m=48 s=2
